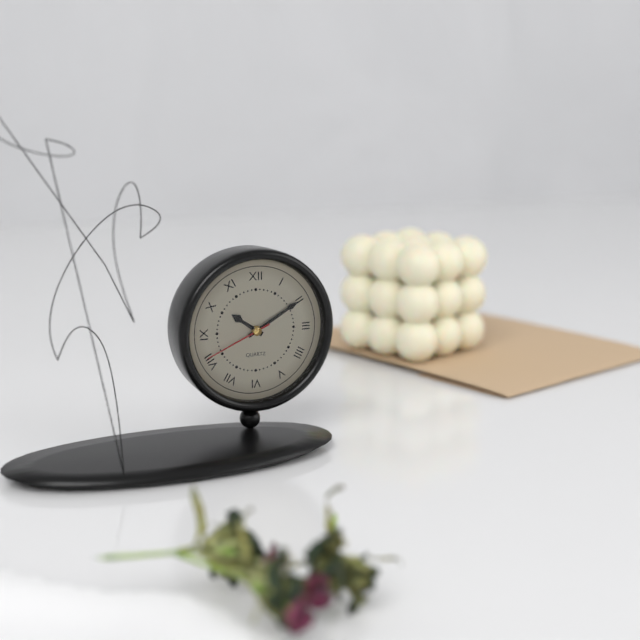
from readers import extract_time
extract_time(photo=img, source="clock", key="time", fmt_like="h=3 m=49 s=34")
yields h=10 m=10 s=41
